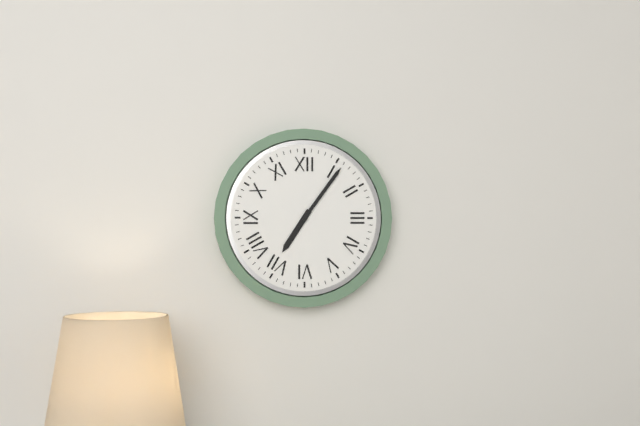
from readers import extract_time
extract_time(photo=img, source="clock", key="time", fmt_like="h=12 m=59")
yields h=7 m=6
